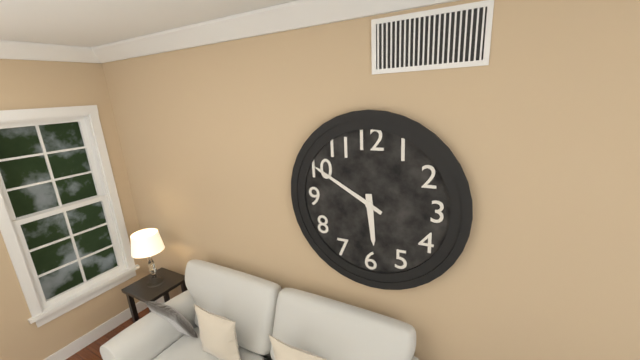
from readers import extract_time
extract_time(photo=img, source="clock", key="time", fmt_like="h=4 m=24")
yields h=5 m=50
